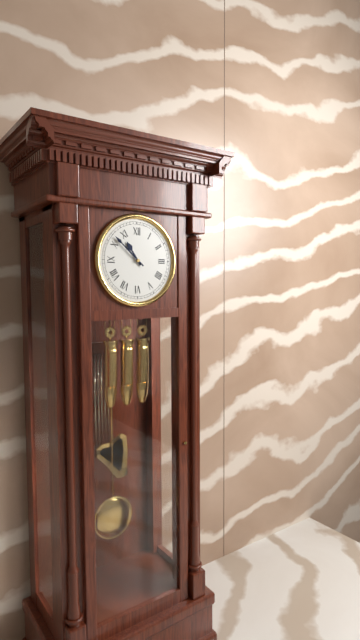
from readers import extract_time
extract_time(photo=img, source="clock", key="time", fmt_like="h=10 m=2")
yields h=10 m=52
